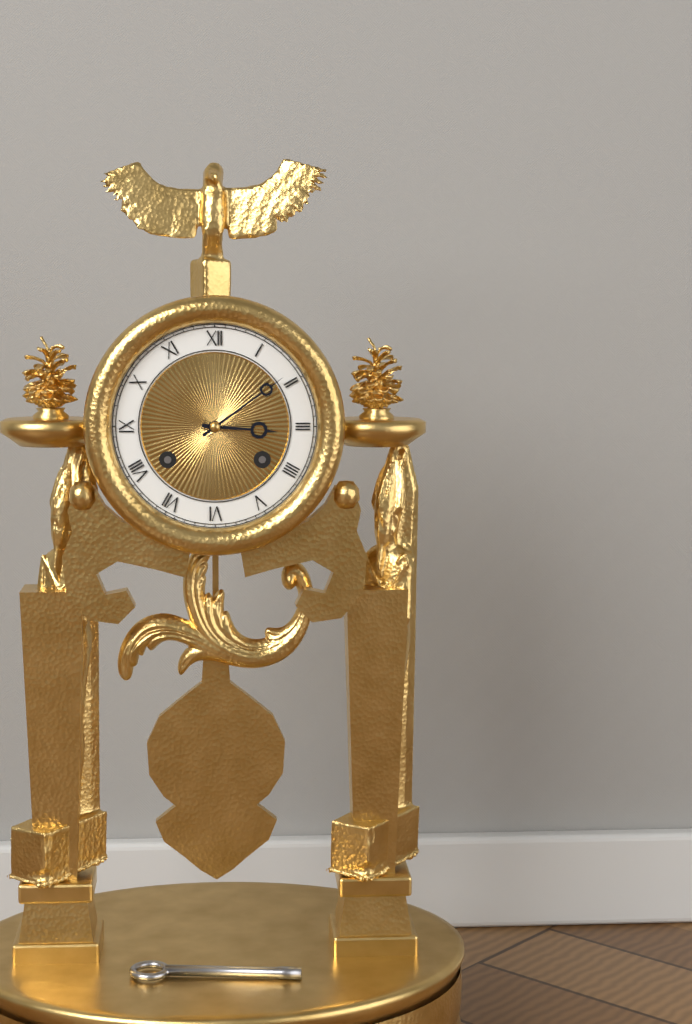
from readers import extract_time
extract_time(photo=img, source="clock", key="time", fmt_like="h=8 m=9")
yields h=3 m=9
